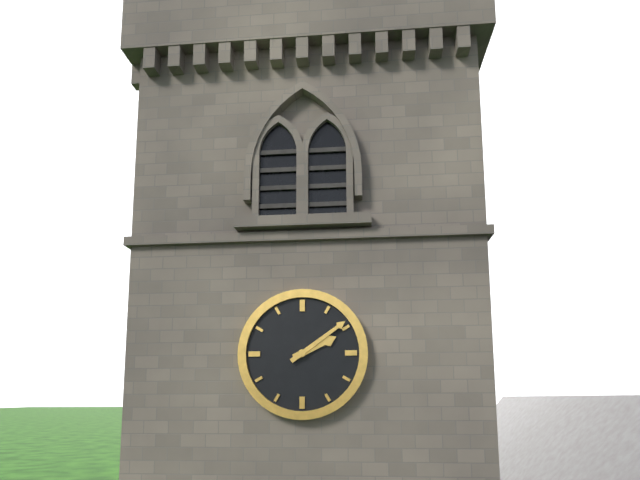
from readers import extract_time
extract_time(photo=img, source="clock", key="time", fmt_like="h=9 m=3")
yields h=2 m=9
